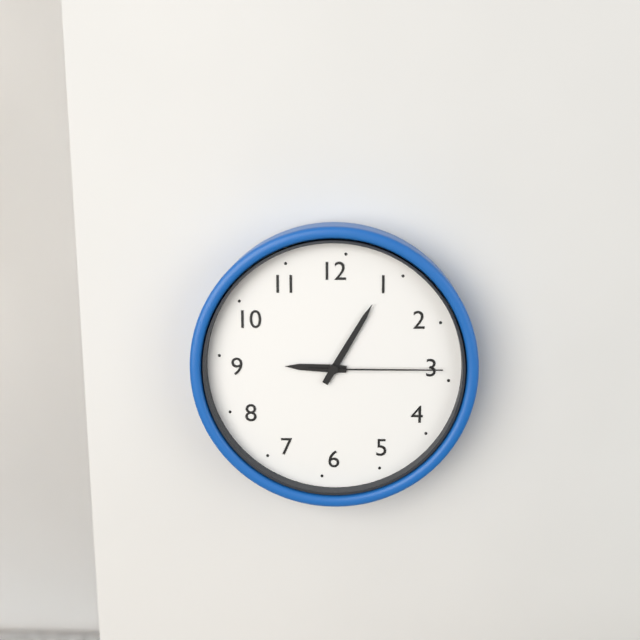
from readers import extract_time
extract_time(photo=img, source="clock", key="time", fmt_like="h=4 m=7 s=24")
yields h=9 m=5 s=15
